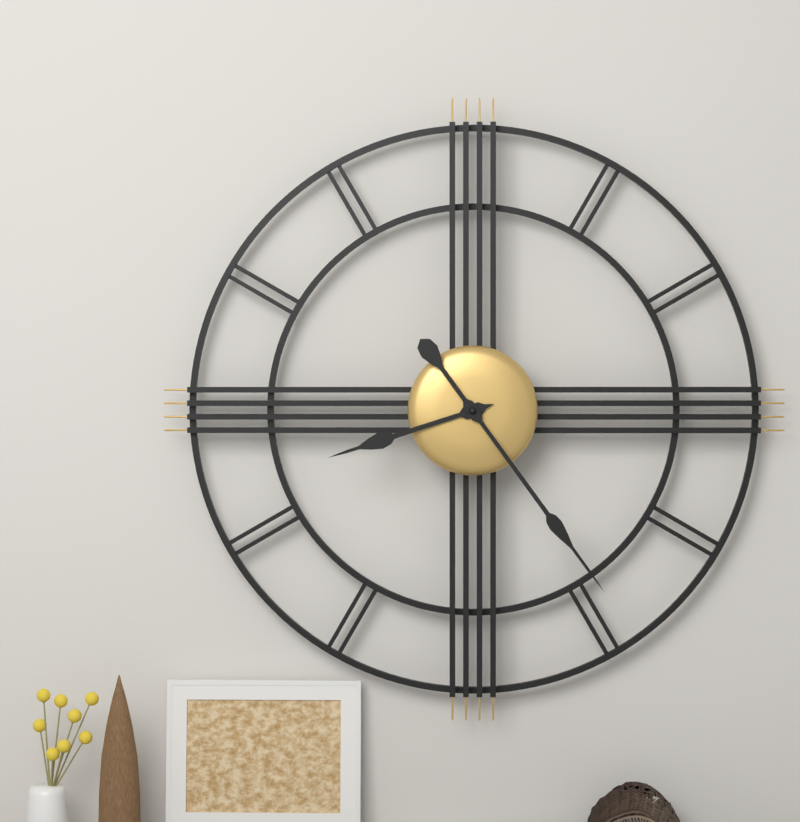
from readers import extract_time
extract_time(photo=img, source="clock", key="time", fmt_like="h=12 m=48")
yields h=8 m=24
